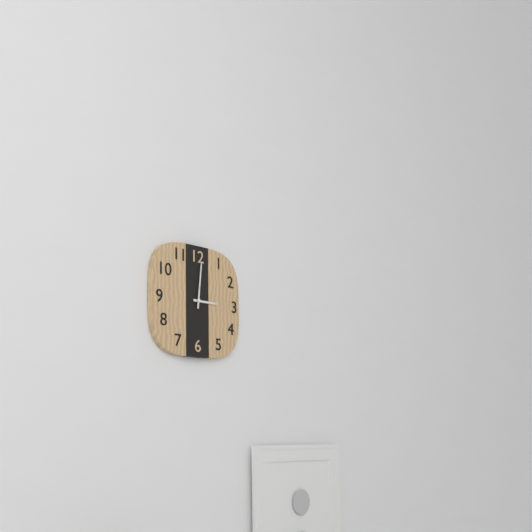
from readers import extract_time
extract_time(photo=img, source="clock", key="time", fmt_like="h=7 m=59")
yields h=3 m=1
